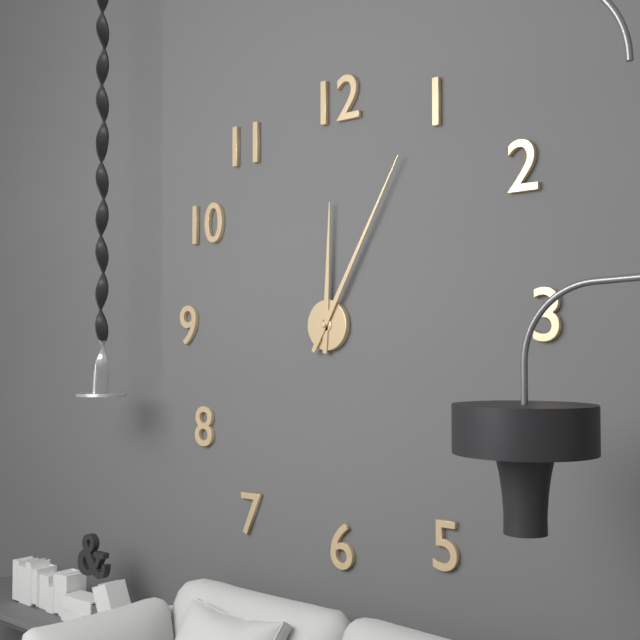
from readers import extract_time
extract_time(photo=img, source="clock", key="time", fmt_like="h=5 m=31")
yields h=12 m=5
